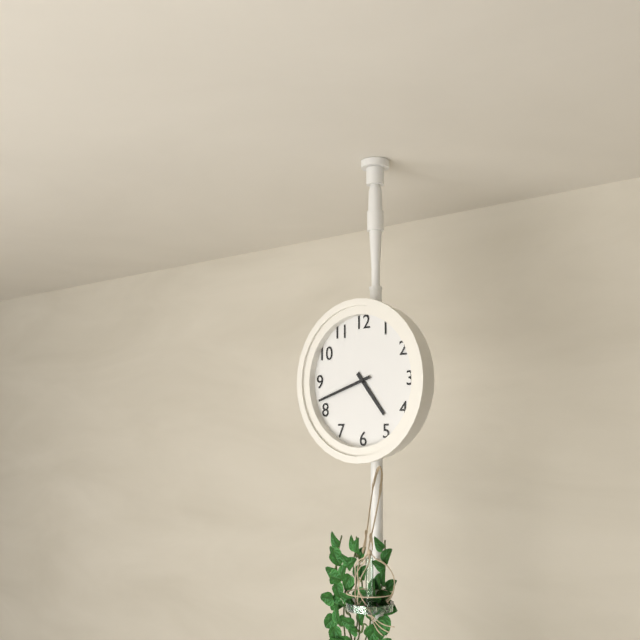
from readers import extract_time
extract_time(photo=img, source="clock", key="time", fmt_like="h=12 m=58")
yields h=4 m=42
